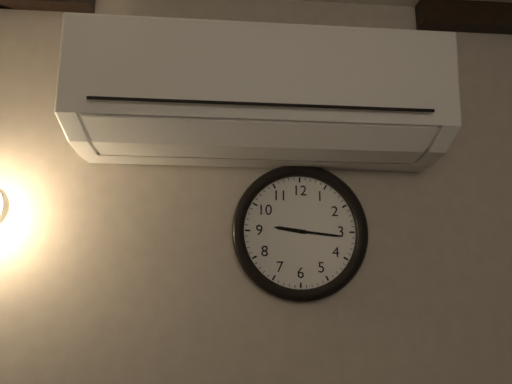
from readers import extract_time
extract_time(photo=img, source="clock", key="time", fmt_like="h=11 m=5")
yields h=9 m=16
